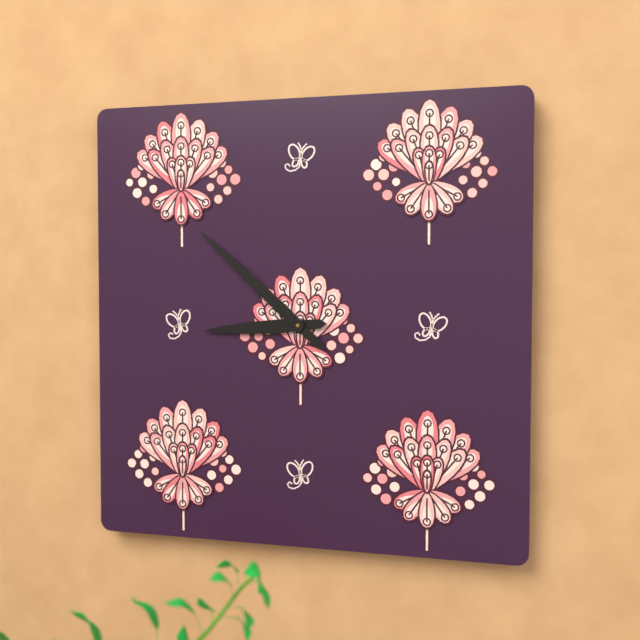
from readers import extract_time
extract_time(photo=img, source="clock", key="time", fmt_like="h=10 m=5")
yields h=8 m=52
